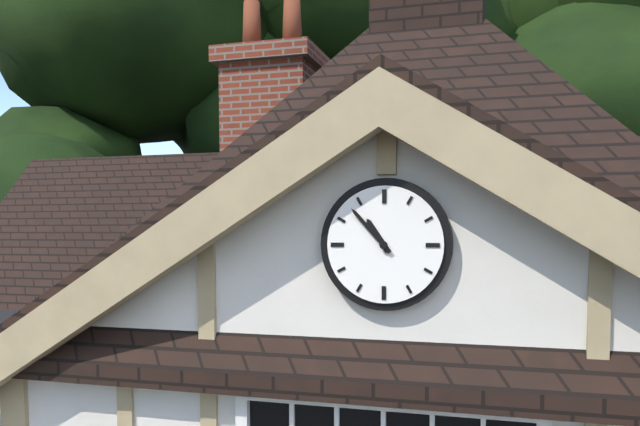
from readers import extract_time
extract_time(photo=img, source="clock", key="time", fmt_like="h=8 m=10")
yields h=10 m=53
